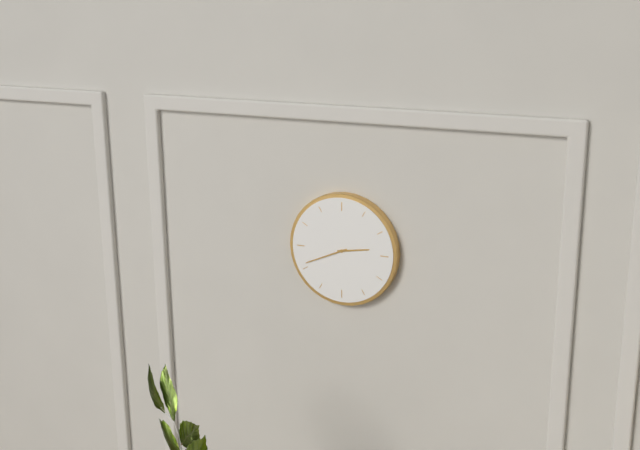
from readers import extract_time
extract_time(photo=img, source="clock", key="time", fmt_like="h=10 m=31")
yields h=2 m=41
